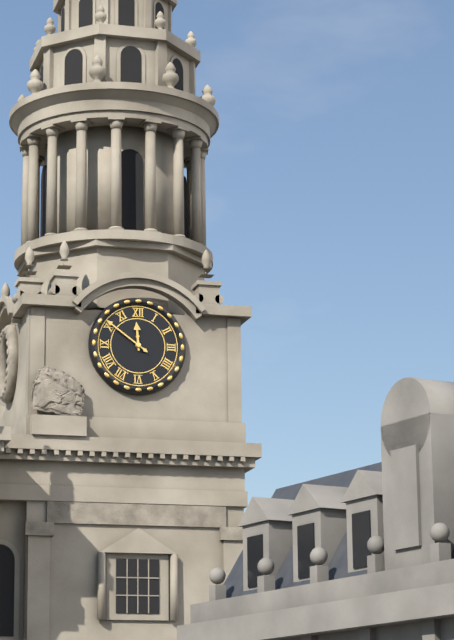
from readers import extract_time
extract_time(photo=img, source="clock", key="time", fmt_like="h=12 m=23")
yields h=11 m=51
